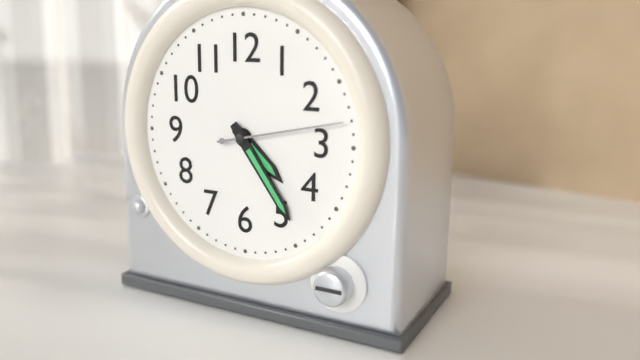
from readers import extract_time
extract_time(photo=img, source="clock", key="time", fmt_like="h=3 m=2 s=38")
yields h=4 m=24 s=13
